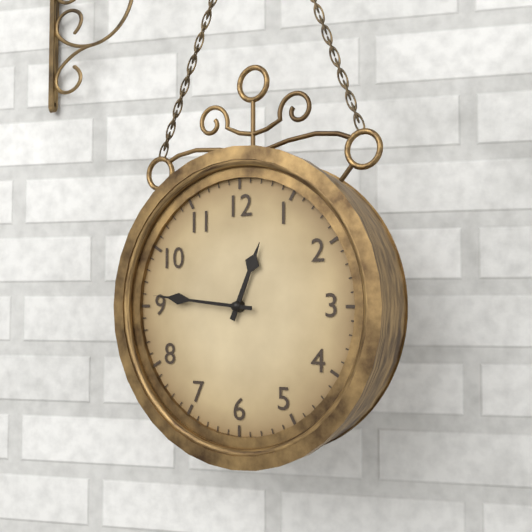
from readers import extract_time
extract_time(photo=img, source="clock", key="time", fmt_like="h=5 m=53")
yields h=12 m=46
